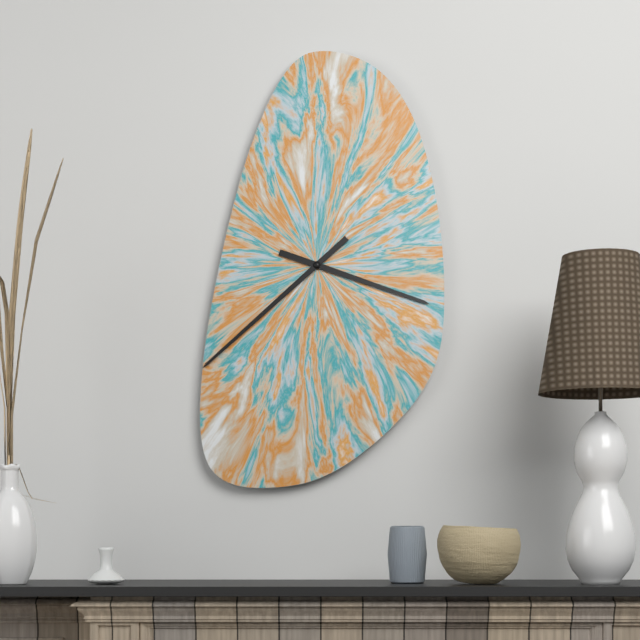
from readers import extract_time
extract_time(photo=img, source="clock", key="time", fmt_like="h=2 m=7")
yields h=3 m=38
